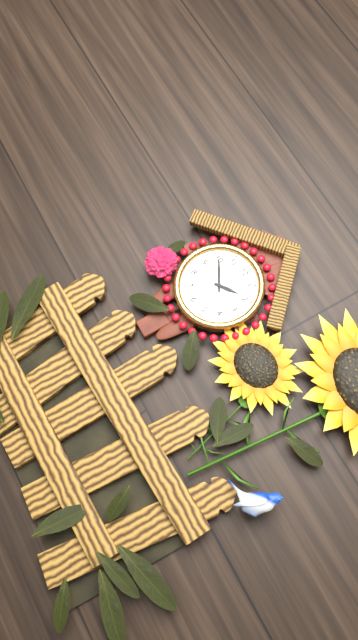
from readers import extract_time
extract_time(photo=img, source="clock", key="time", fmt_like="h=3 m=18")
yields h=1 m=50
